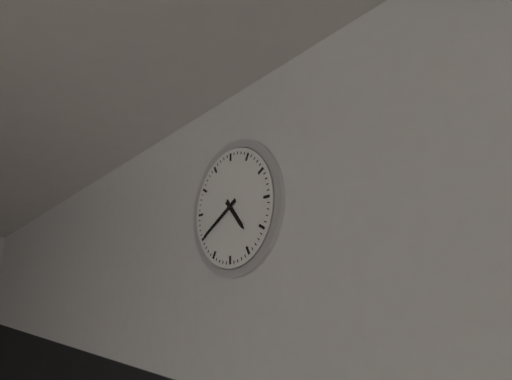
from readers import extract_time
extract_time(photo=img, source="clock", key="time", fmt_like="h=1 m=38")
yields h=4 m=40
